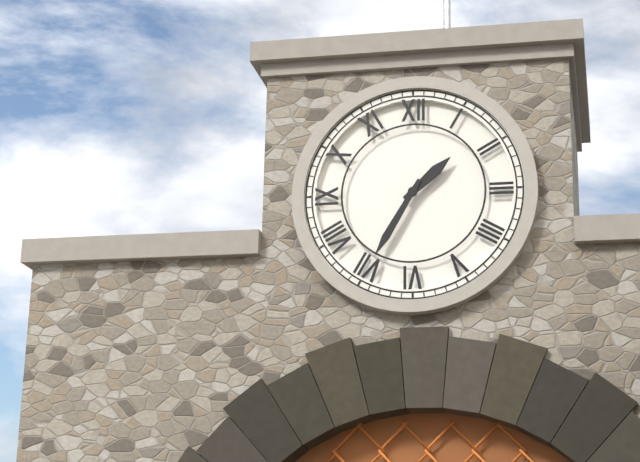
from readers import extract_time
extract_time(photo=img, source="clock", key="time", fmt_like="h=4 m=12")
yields h=1 m=35
